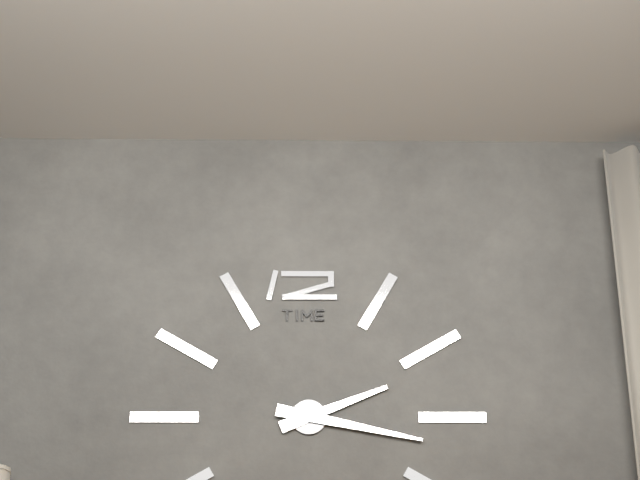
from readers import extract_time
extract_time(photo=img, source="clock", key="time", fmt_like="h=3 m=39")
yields h=2 m=17
